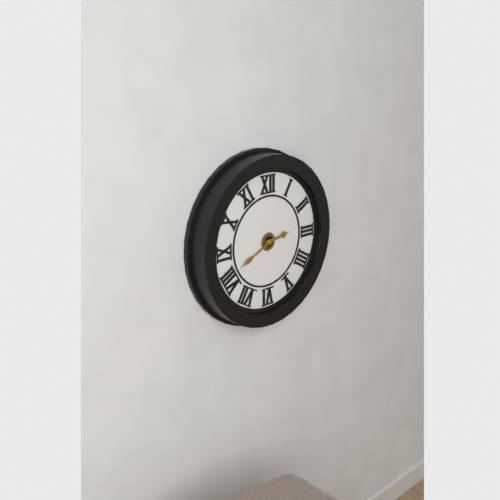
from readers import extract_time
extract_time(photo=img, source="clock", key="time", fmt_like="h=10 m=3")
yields h=2 m=41
